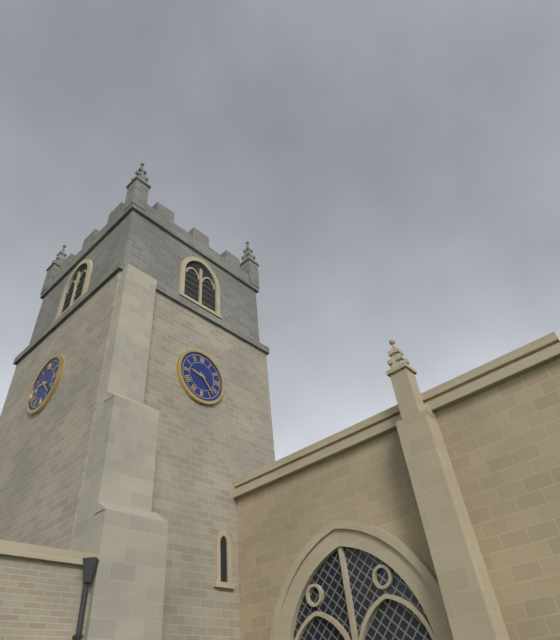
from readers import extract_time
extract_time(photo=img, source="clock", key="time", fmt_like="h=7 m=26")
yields h=9 m=23
